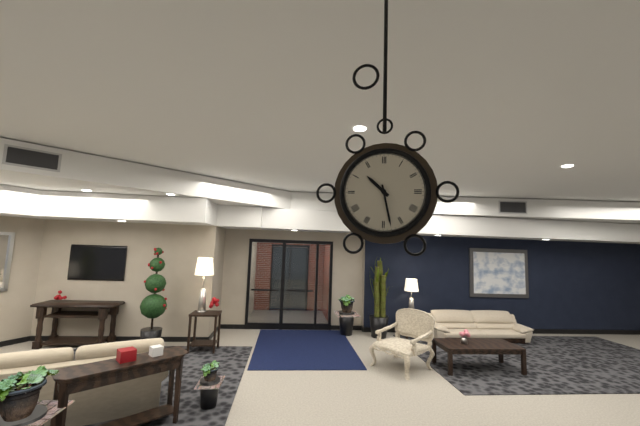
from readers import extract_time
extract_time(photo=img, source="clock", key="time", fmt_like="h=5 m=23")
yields h=10 m=28
